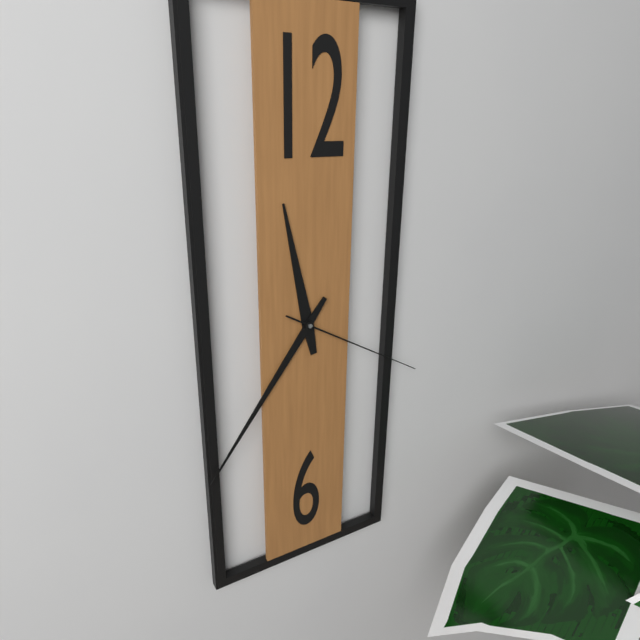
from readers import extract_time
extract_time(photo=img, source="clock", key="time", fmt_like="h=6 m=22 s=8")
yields h=11 m=36 s=20
